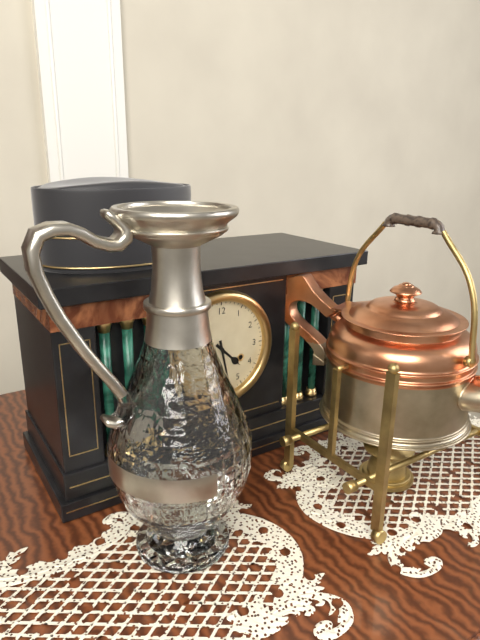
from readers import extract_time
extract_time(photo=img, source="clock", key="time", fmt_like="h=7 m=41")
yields h=4 m=28
